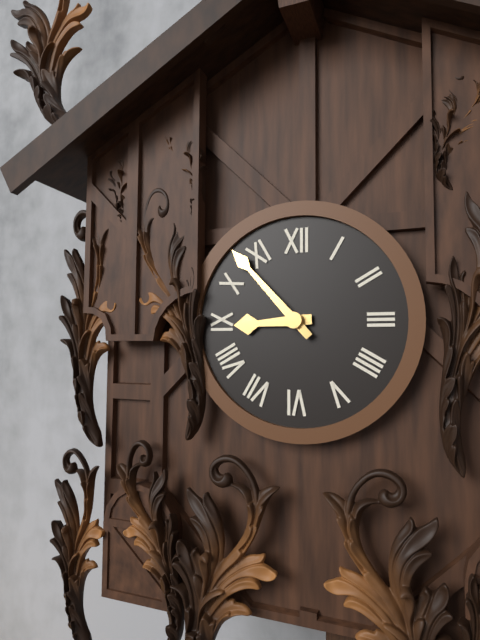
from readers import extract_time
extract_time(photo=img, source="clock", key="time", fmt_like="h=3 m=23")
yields h=8 m=53
